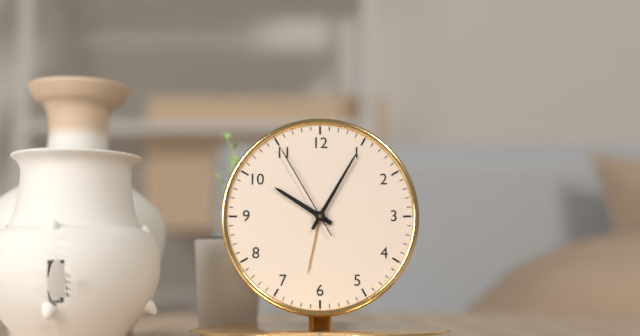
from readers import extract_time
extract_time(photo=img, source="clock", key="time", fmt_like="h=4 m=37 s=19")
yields h=10 m=5 s=55
